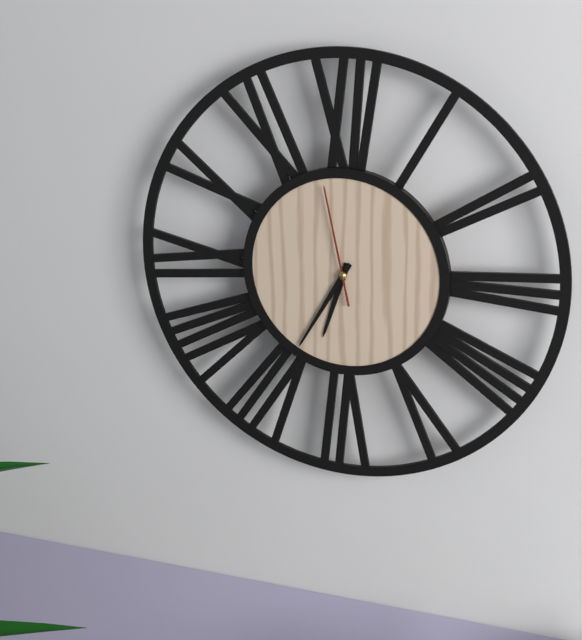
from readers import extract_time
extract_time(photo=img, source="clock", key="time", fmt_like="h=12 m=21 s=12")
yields h=6 m=35 s=58
